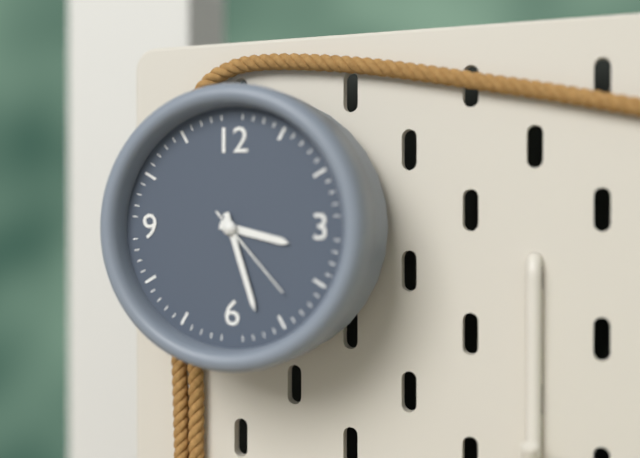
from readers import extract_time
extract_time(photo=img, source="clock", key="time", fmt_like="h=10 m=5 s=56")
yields h=3 m=27 s=23
